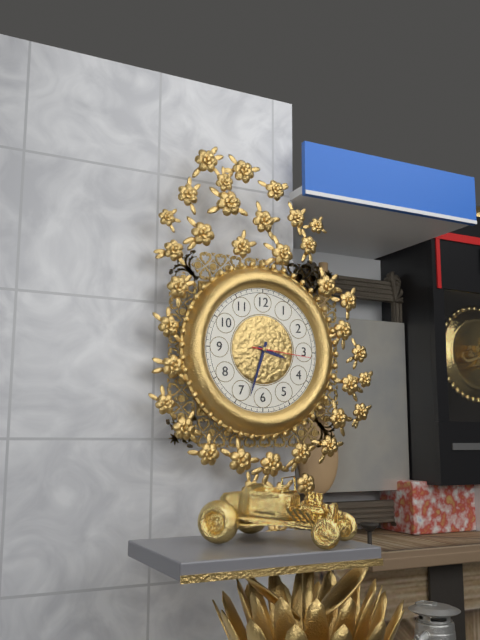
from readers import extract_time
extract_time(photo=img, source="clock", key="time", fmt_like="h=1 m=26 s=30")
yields h=3 m=33 s=16
